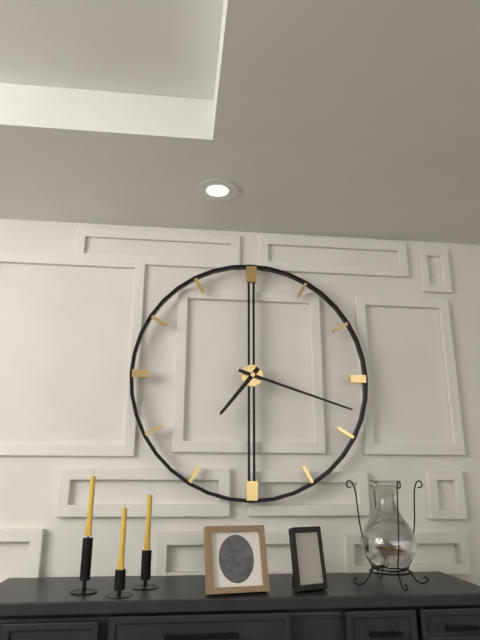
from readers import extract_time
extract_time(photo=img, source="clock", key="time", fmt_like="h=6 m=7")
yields h=7 m=18
